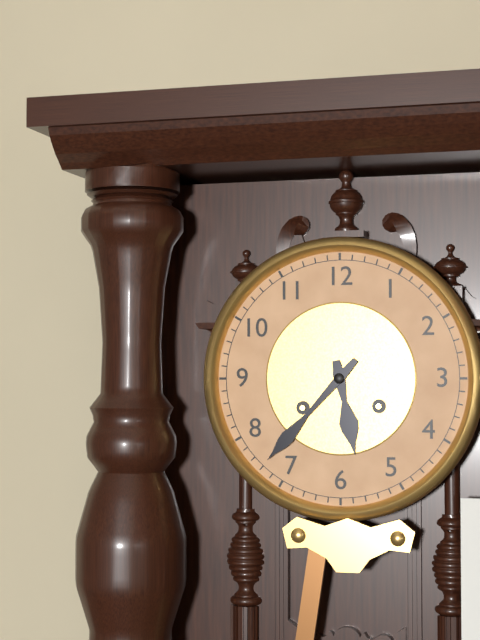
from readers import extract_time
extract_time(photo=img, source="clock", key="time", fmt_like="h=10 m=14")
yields h=5 m=37
